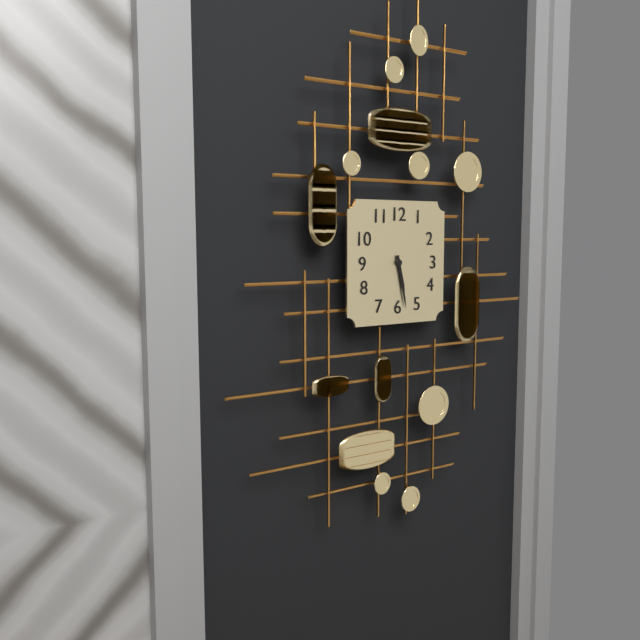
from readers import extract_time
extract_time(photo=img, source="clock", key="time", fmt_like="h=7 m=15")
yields h=5 m=28
